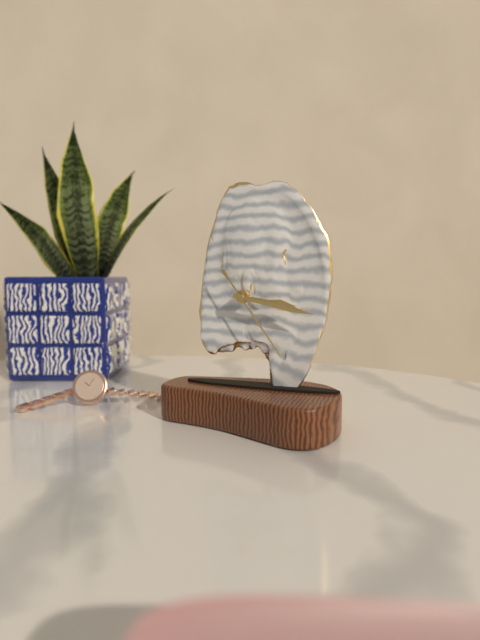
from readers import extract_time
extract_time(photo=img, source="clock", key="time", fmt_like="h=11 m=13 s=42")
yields h=3 m=17 s=24
